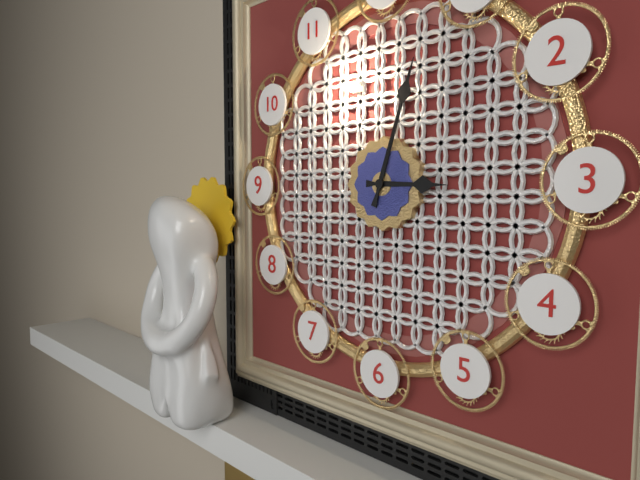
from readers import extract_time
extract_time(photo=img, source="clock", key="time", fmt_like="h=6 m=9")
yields h=3 m=3
